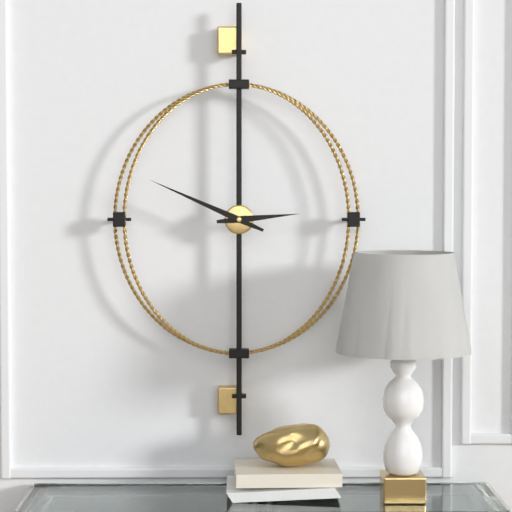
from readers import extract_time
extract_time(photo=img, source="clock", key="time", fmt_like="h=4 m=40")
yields h=2 m=49
